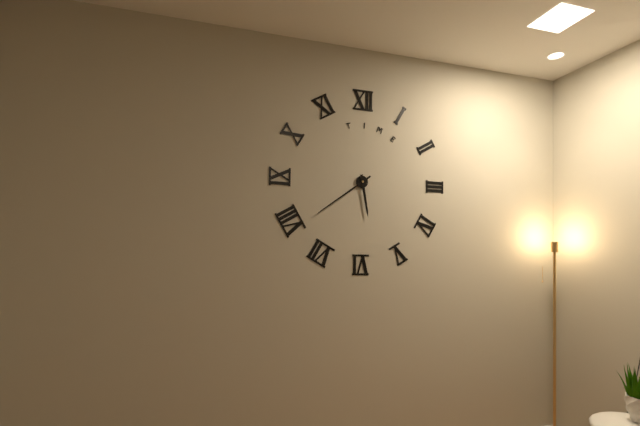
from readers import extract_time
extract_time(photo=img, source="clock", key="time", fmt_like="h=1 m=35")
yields h=5 m=39
